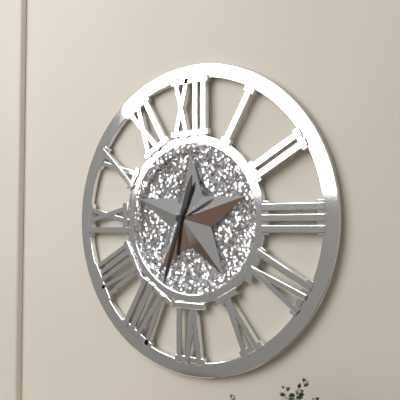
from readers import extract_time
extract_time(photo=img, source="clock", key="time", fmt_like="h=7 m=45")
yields h=12 m=33
